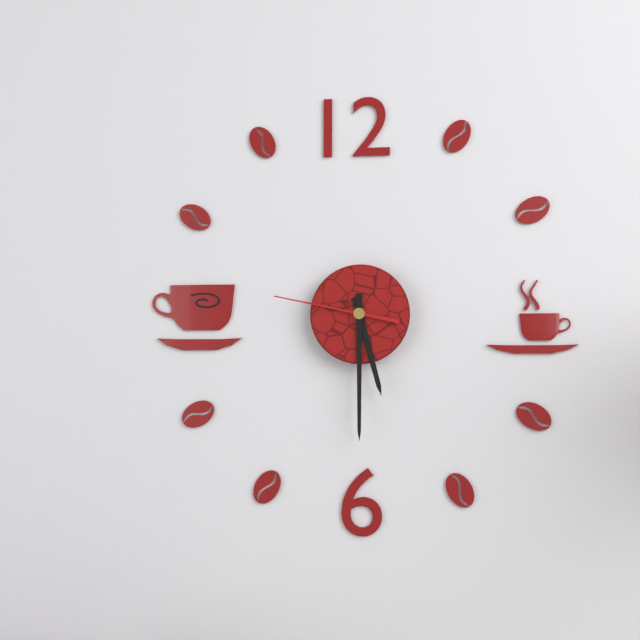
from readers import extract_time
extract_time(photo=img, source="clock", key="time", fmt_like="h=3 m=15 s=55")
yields h=5 m=30 s=47
